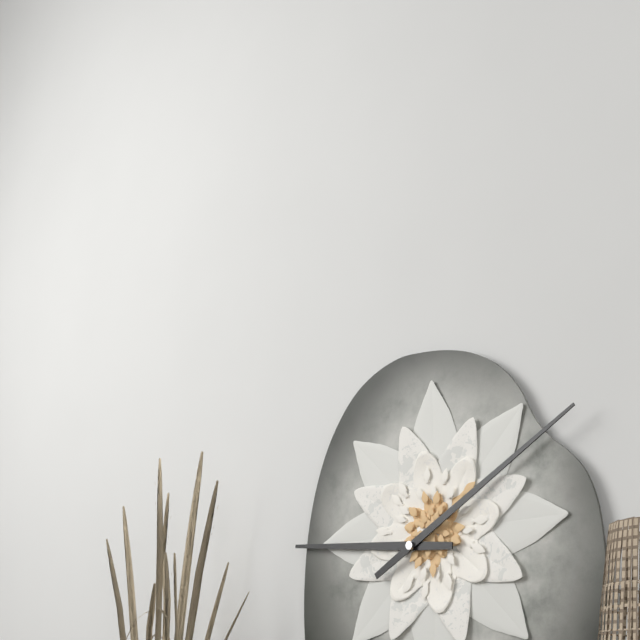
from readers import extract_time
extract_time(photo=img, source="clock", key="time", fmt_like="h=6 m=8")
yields h=9 m=10
